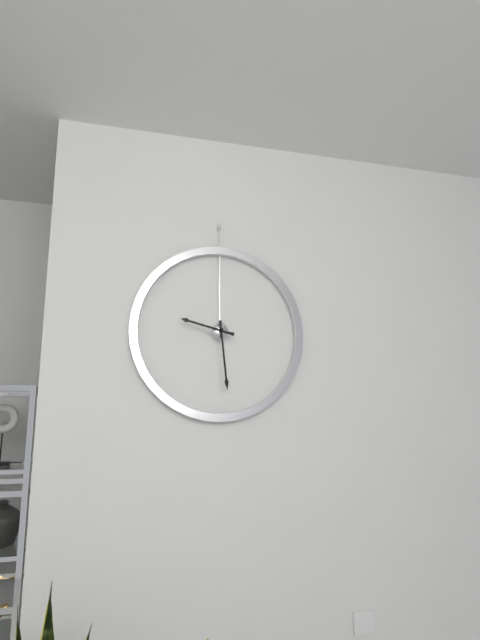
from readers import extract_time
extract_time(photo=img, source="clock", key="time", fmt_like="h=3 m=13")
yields h=9 m=29
